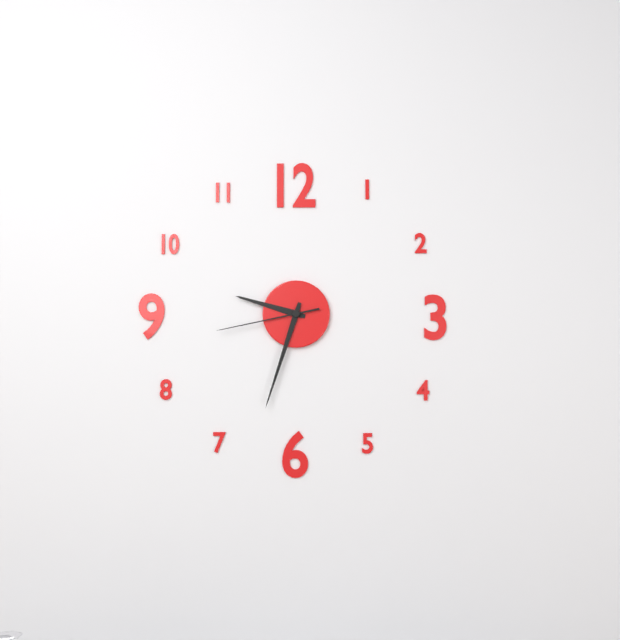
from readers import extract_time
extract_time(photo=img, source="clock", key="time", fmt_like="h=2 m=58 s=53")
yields h=9 m=33 s=43
